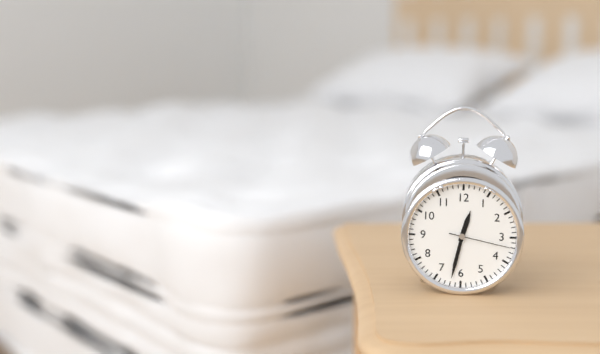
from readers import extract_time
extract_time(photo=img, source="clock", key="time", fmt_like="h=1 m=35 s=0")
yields h=12 m=32 s=17
